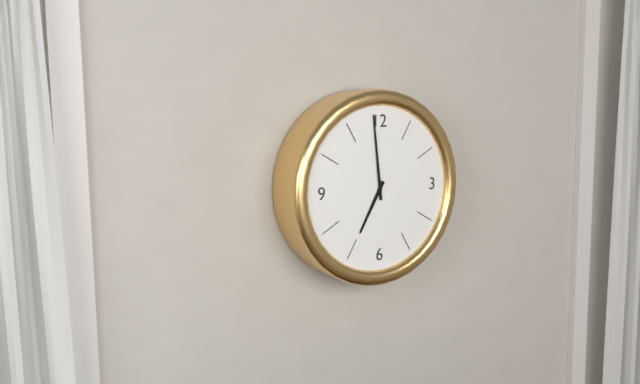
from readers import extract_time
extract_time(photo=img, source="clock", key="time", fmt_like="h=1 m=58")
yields h=6 m=59
